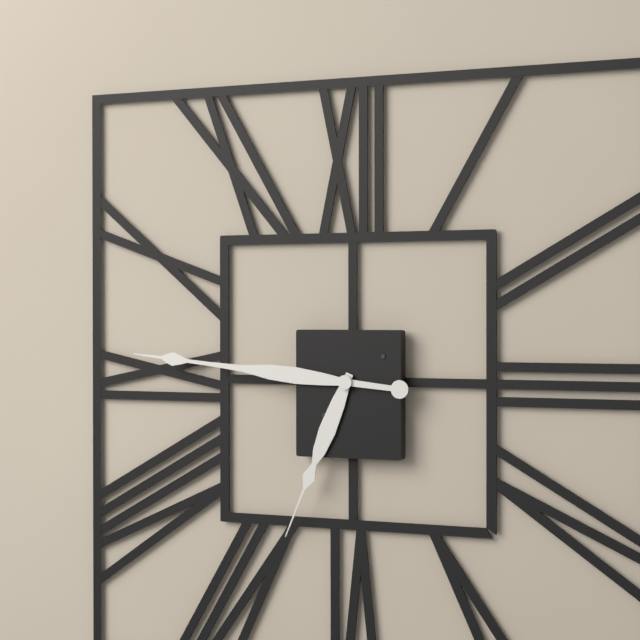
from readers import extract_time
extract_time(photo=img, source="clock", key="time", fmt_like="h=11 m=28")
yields h=6 m=46
